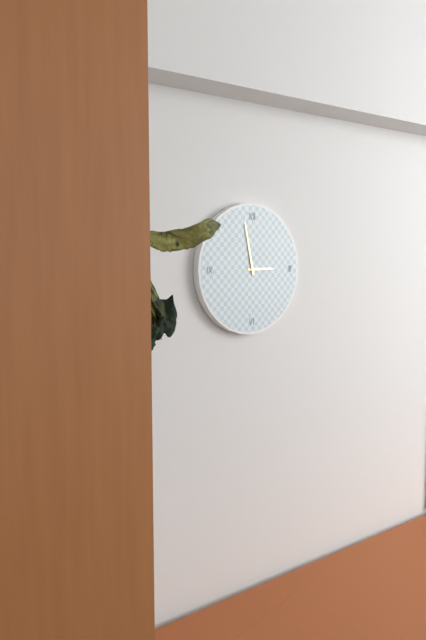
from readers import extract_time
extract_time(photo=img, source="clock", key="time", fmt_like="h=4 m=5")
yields h=2 m=58
